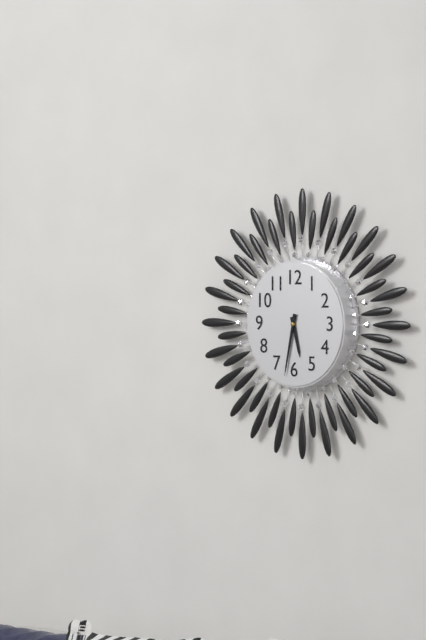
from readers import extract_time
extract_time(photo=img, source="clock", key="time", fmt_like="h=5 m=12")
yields h=5 m=32
